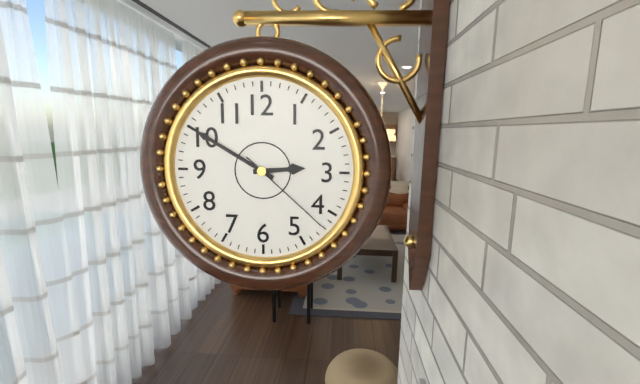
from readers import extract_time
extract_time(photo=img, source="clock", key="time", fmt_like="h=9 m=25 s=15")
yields h=2 m=50 s=22
